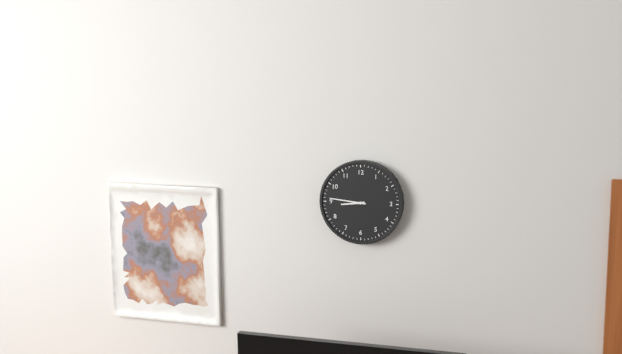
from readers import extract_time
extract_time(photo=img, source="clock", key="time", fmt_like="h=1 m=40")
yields h=8 m=46
